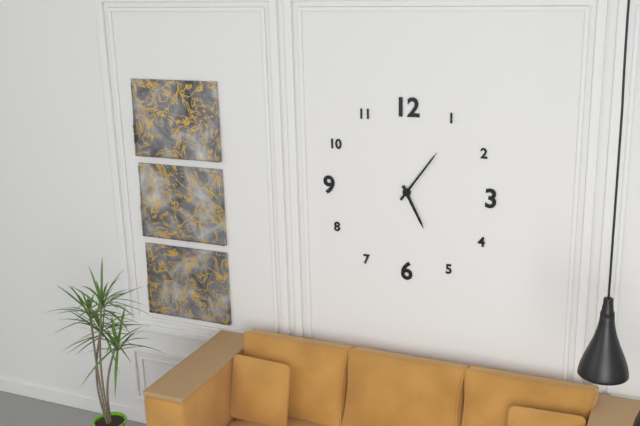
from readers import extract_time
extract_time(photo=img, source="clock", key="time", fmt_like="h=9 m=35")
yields h=5 m=6
